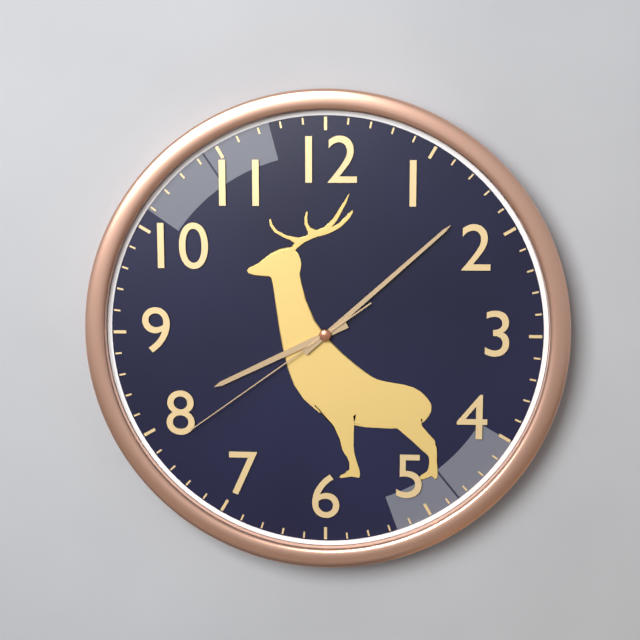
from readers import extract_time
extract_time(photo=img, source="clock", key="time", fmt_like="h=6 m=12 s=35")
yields h=8 m=8 s=39
